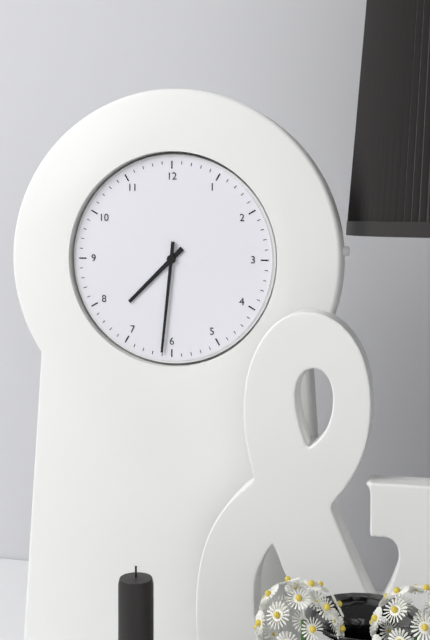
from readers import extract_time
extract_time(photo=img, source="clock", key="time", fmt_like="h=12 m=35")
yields h=7 m=31
